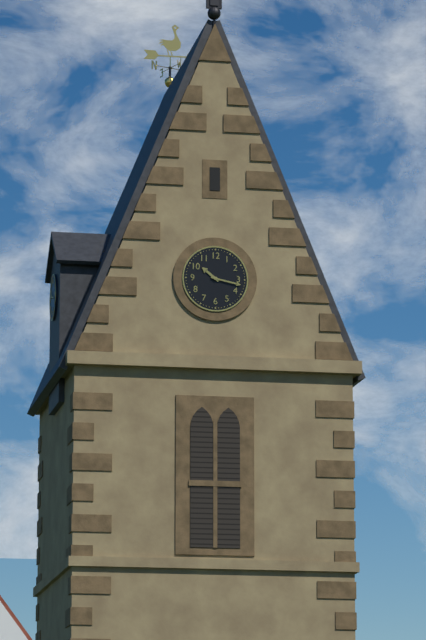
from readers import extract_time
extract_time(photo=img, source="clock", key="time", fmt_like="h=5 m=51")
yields h=10 m=17
